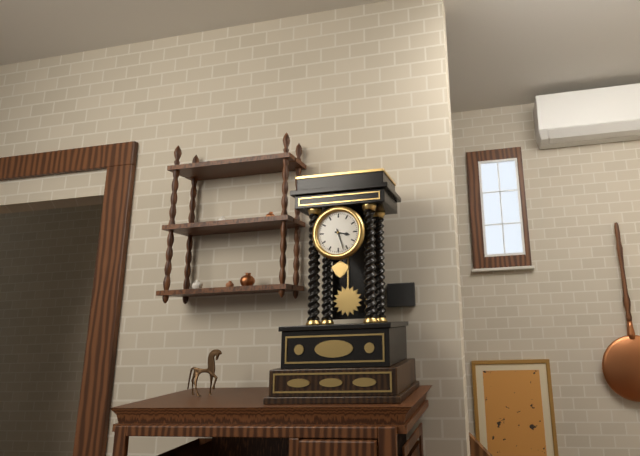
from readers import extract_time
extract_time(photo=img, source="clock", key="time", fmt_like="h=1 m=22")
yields h=3 m=27
